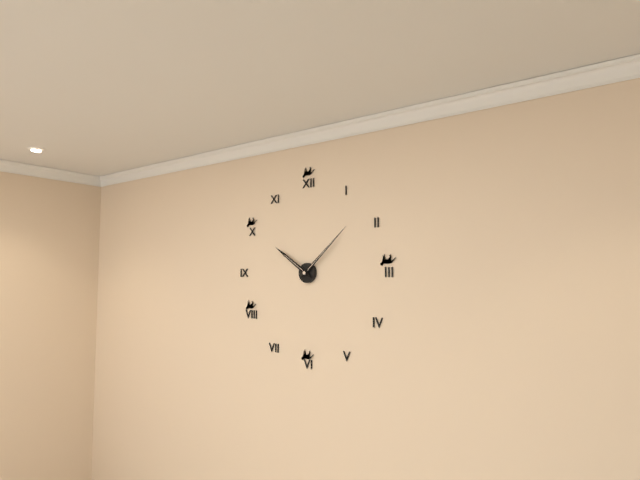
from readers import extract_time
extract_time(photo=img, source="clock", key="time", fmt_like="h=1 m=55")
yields h=10 m=8
